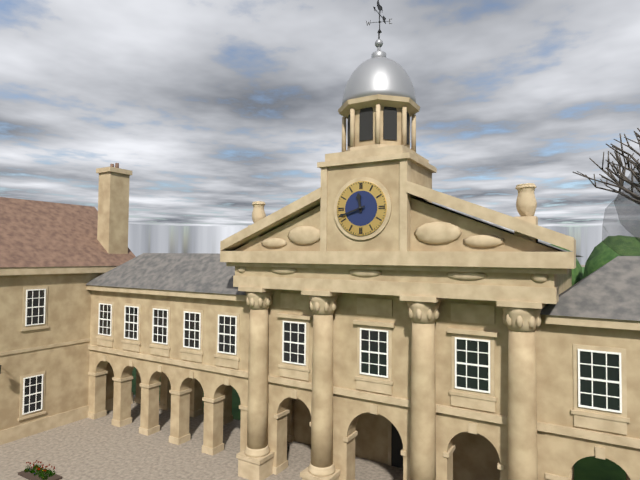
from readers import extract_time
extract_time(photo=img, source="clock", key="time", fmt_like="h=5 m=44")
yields h=11 m=42
